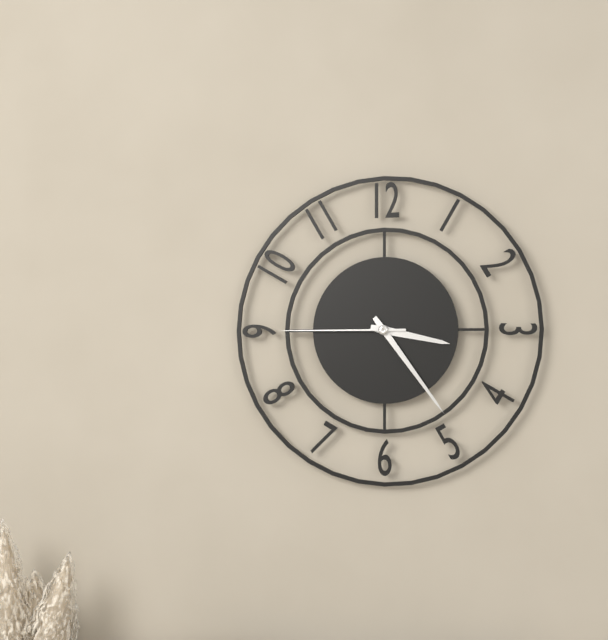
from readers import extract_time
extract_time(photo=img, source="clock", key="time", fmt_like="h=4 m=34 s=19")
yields h=3 m=24 s=45
